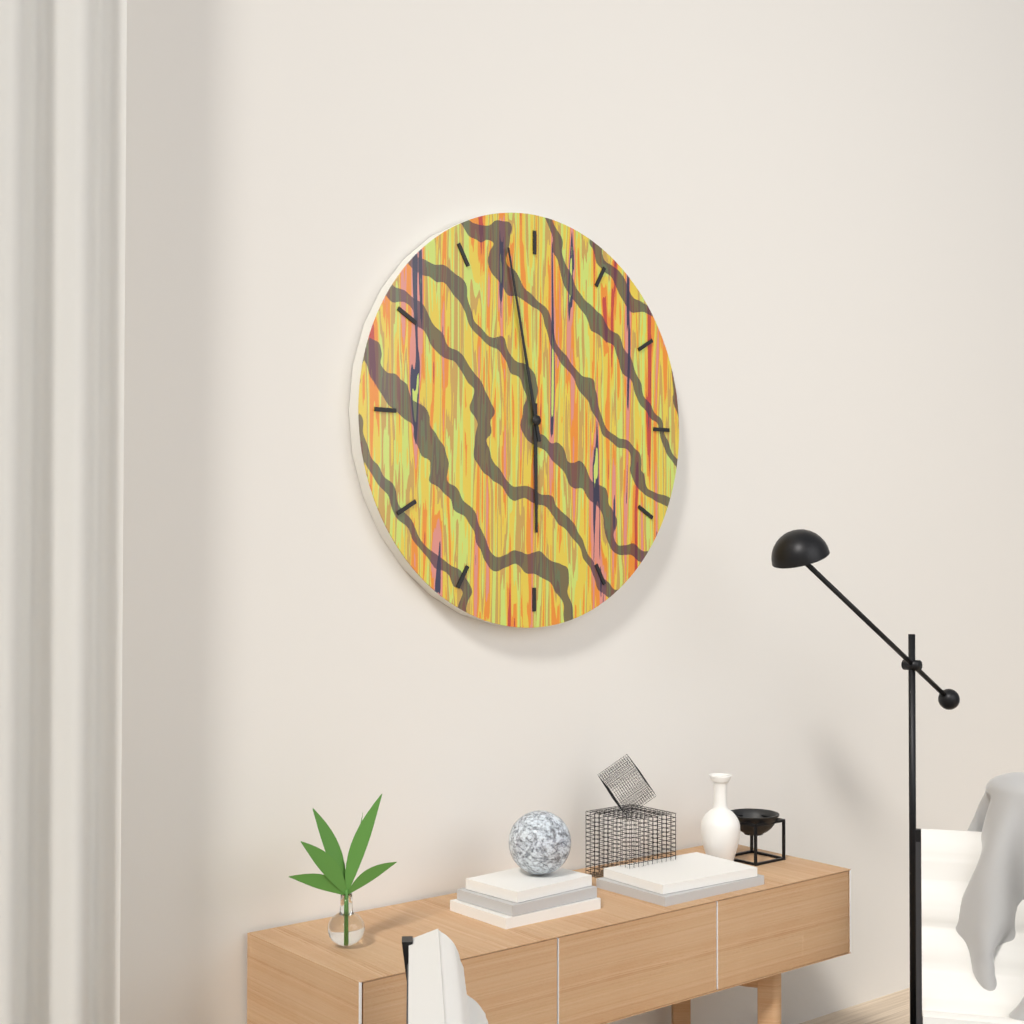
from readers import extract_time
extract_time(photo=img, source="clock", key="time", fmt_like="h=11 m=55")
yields h=5 m=58
